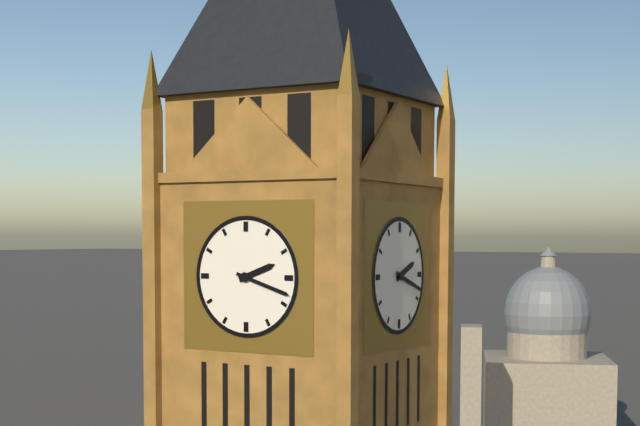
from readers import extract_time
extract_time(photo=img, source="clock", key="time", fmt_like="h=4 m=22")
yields h=2 m=18
